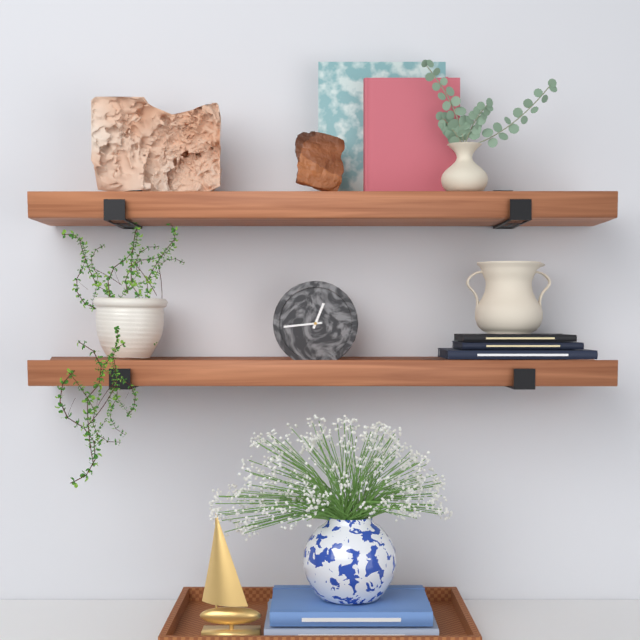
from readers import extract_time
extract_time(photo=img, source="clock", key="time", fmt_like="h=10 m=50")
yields h=12 m=44
